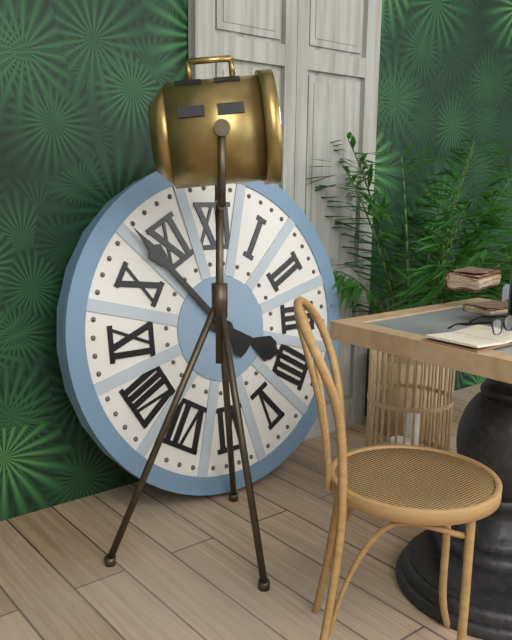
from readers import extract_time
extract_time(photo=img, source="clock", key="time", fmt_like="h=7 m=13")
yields h=3 m=53
